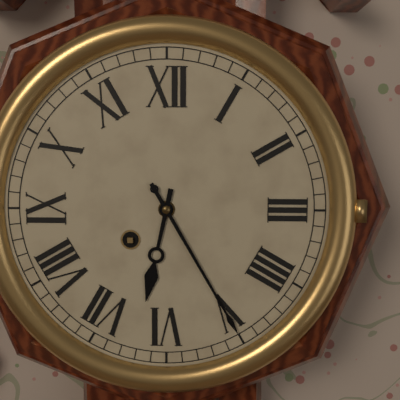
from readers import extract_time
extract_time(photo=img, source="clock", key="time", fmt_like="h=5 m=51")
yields h=6 m=25
